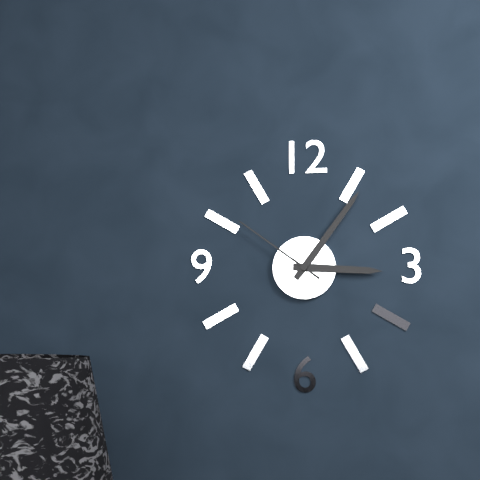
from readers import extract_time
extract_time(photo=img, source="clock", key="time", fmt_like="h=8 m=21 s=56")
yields h=3 m=6 s=51
